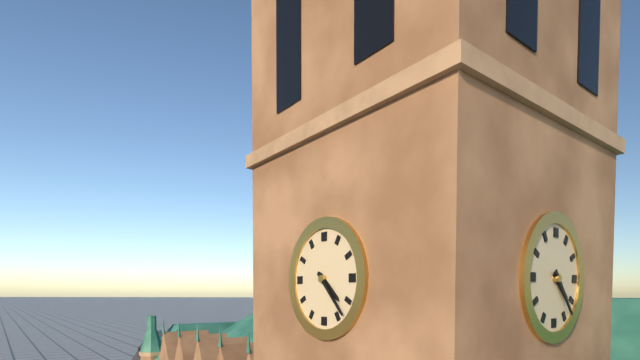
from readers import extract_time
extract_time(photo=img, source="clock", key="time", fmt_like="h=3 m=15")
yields h=4 m=23
